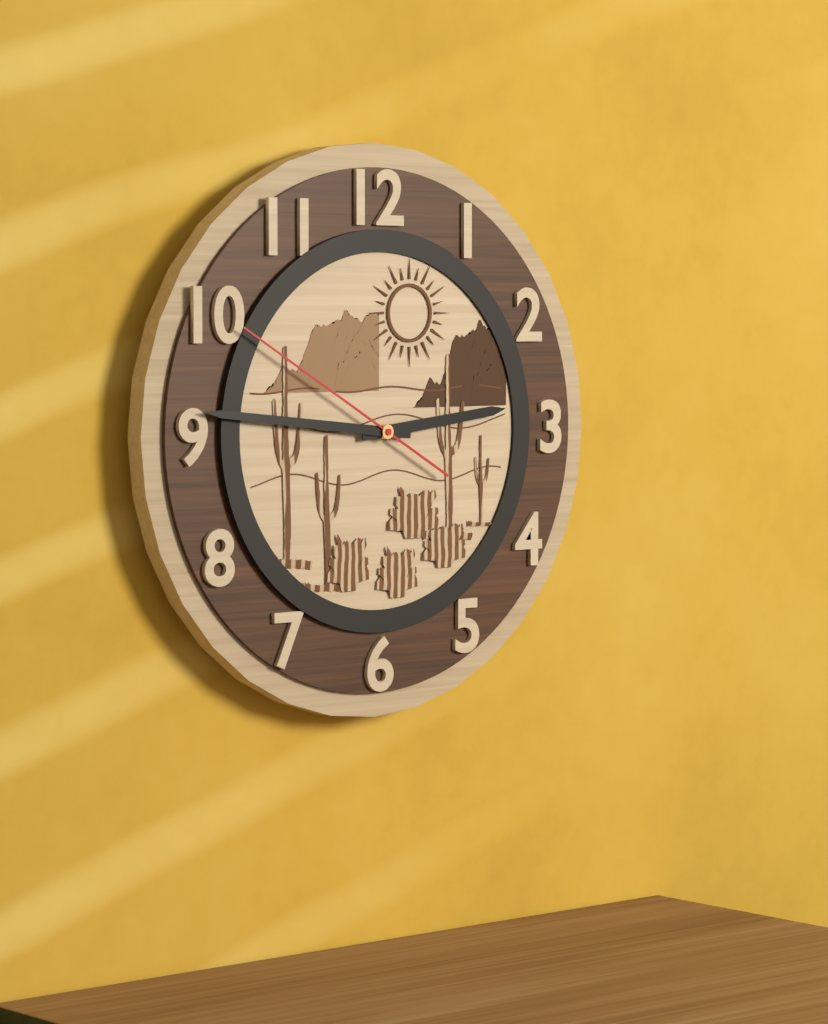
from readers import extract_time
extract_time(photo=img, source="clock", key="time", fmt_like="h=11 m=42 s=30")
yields h=2 m=46 s=50
